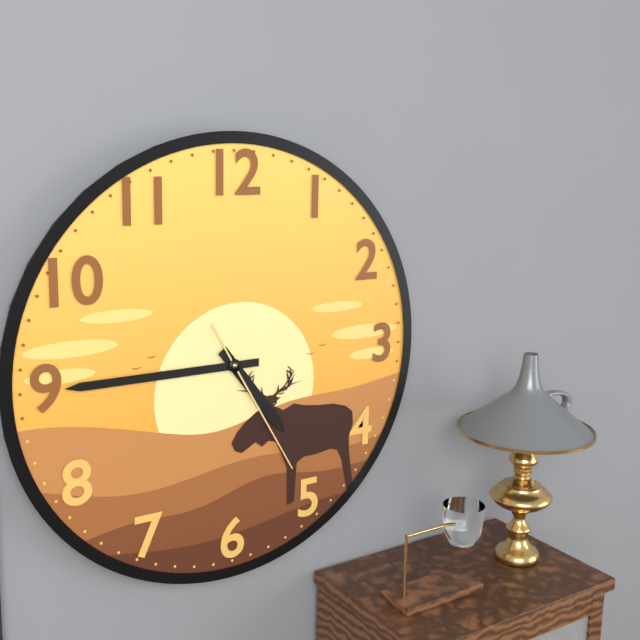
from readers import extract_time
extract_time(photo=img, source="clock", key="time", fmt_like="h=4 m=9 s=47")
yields h=4 m=45 s=25
